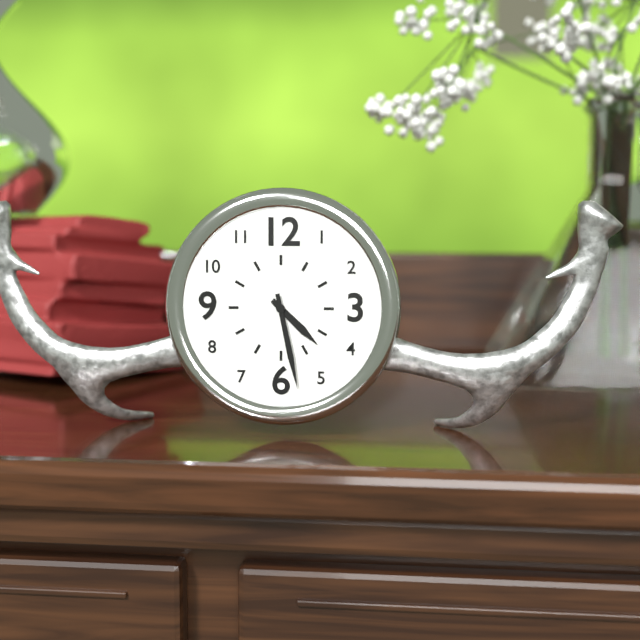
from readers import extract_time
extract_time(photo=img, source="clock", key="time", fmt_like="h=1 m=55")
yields h=4 m=28
